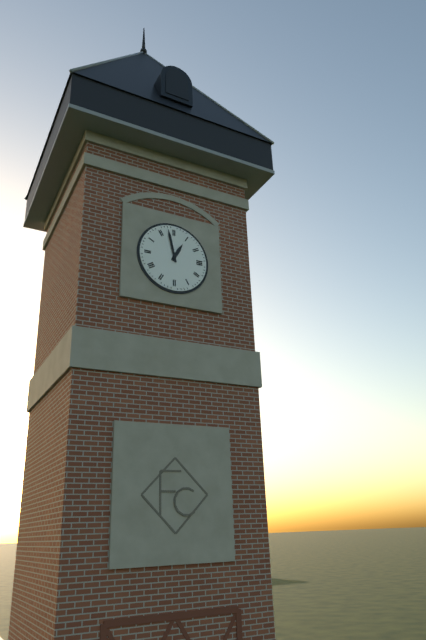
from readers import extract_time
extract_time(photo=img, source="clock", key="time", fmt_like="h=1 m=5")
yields h=12 m=58
